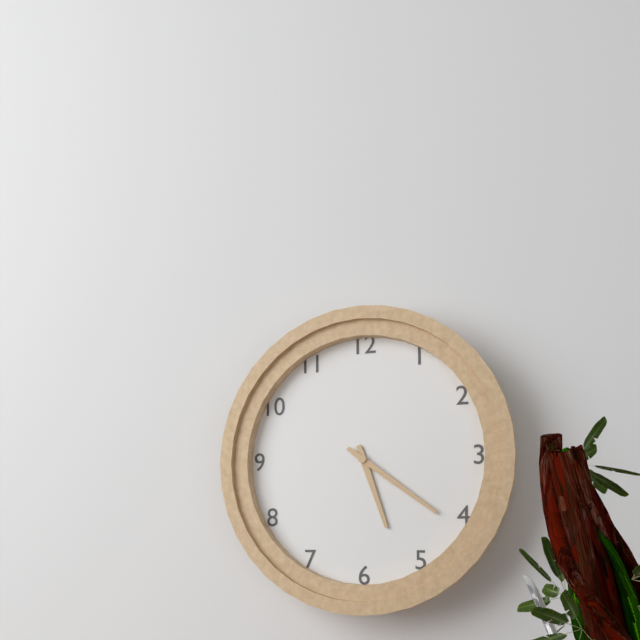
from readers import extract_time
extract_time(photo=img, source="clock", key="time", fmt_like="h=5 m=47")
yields h=5 m=21
